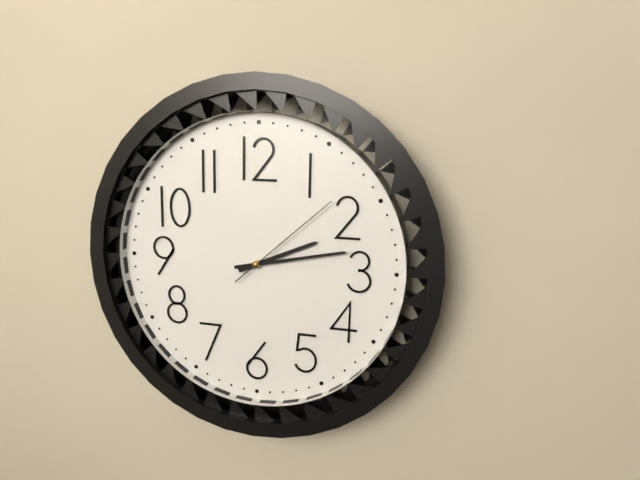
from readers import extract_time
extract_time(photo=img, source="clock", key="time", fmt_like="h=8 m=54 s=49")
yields h=2 m=13 s=8
